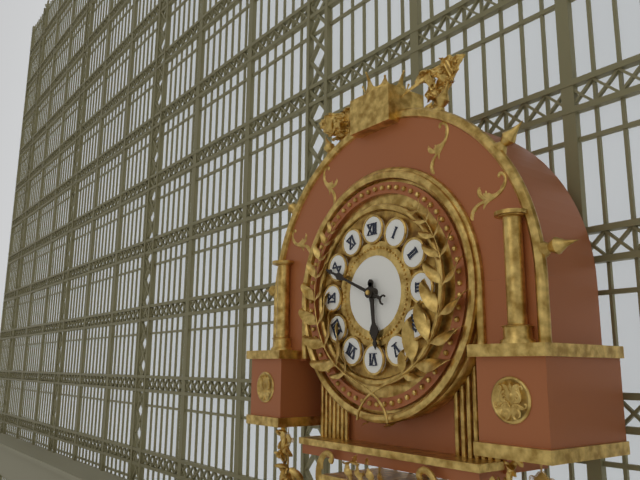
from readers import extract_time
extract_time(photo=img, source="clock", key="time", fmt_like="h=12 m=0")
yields h=5 m=49
